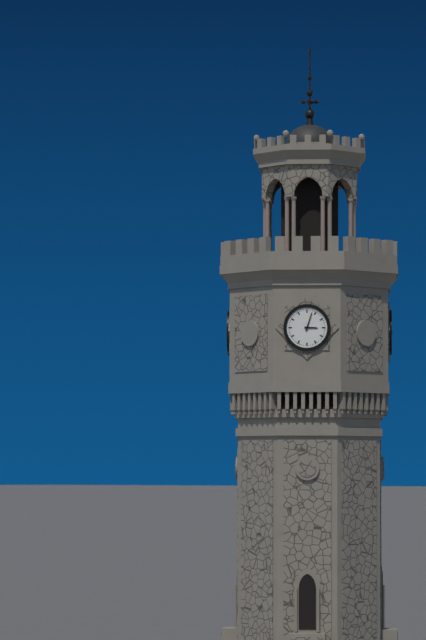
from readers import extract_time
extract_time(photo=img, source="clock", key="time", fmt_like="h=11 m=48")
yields h=3 m=3
